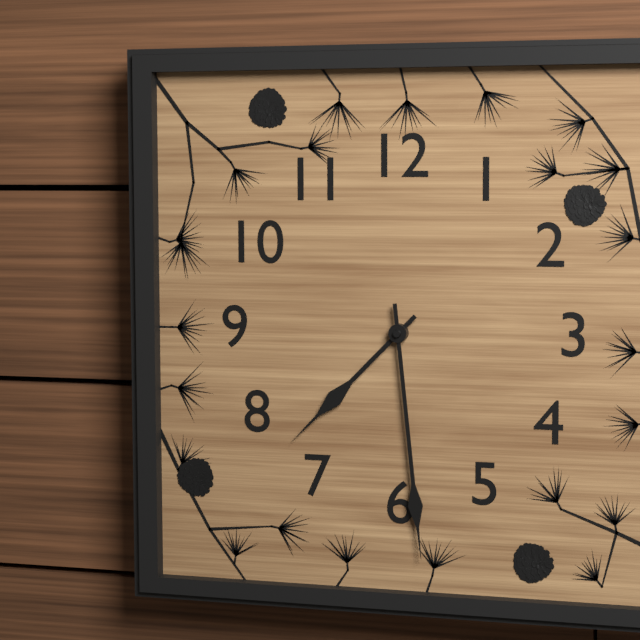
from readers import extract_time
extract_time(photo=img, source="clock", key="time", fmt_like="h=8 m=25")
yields h=7 m=29
